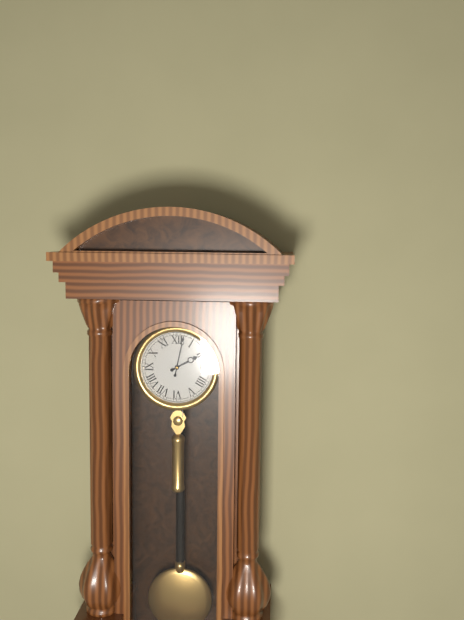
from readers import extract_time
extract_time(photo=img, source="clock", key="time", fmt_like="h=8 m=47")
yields h=2 m=2
